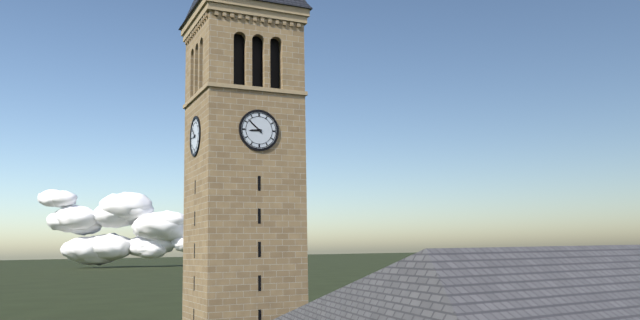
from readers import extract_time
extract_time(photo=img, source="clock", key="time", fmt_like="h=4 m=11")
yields h=8 m=52
